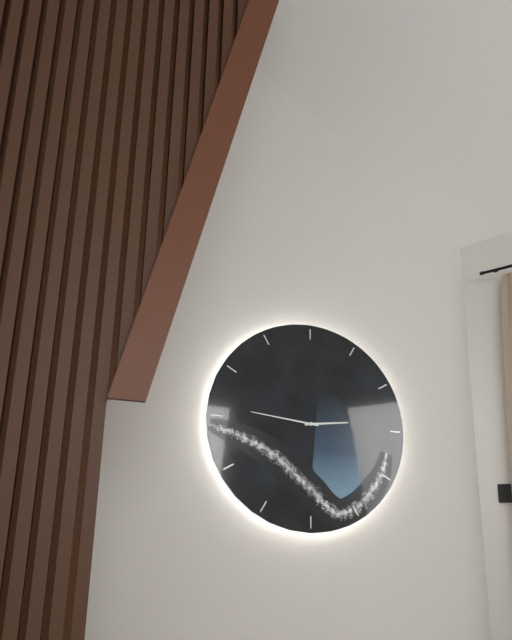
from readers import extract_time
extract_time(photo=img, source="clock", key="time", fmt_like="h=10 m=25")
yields h=2 m=46
